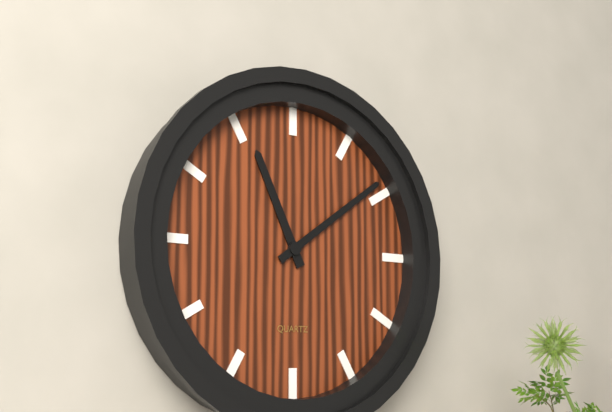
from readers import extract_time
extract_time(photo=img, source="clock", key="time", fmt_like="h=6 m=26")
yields h=11 m=9
